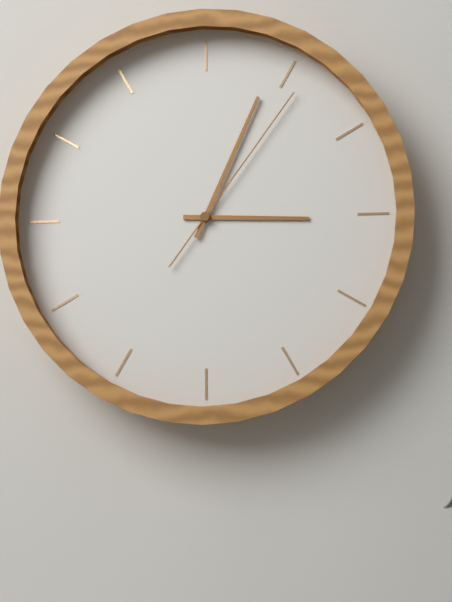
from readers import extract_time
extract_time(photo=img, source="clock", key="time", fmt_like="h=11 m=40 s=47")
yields h=3 m=4 s=6
